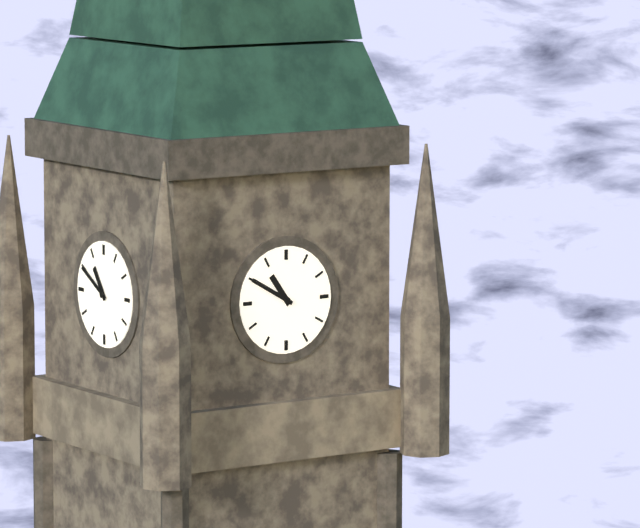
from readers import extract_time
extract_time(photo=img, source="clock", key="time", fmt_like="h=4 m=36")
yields h=10 m=50
